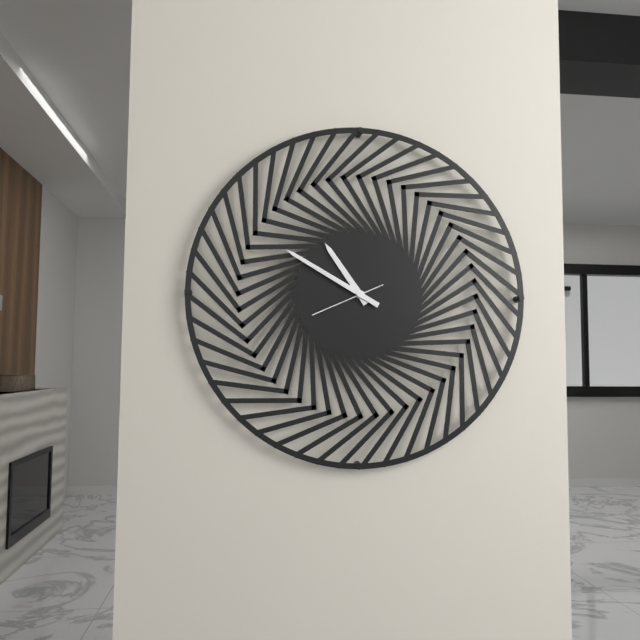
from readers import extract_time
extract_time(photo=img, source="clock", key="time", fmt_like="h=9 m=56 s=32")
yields h=10 m=50 s=41
